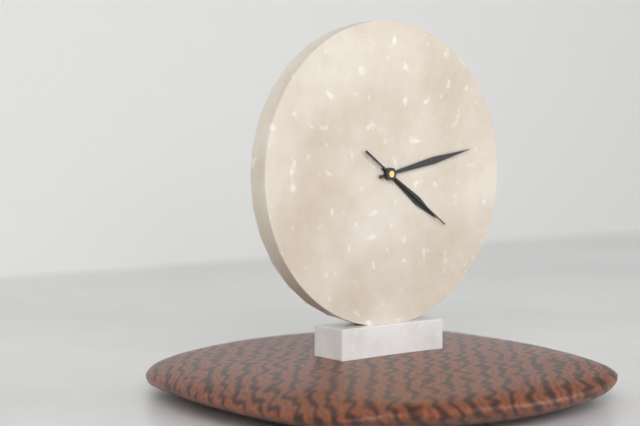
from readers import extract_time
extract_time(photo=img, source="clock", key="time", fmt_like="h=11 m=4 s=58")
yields h=4 m=13 s=21
